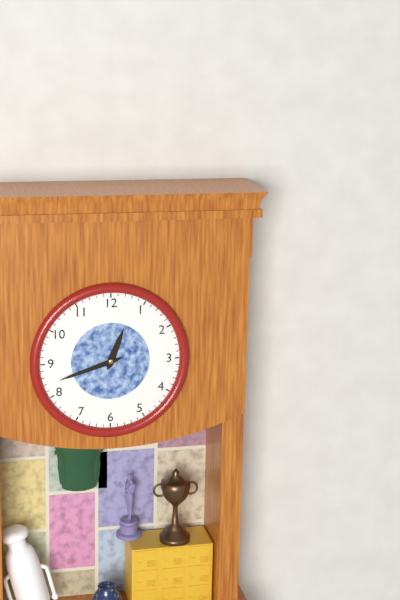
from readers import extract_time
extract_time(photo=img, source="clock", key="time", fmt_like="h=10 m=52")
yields h=12 m=42
